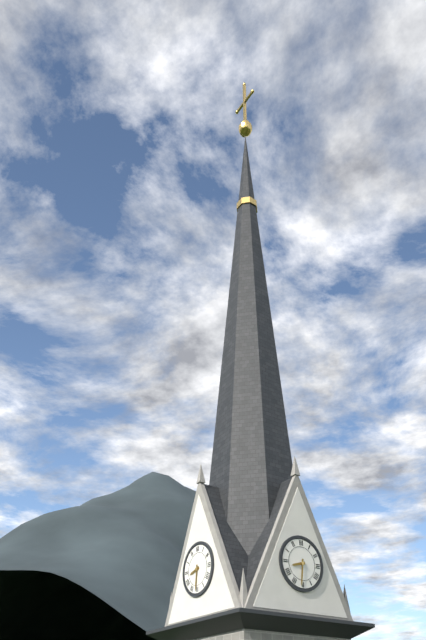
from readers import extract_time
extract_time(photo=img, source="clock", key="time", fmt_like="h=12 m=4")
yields h=8 m=31
